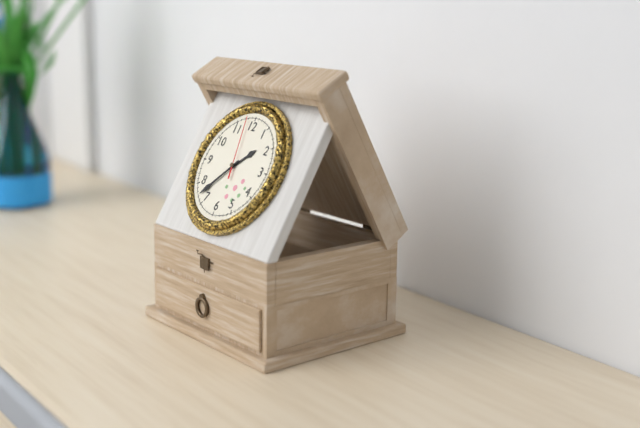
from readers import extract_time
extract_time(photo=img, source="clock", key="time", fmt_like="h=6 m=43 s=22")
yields h=1 m=37 s=58
